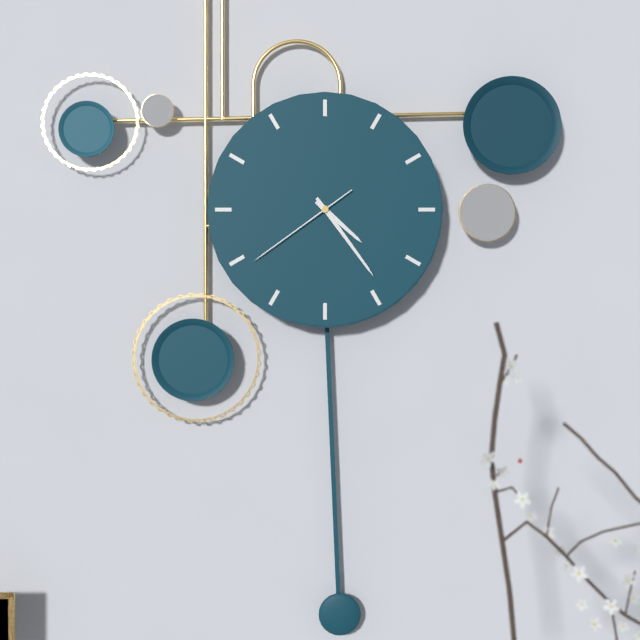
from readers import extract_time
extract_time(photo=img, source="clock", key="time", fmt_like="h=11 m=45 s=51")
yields h=4 m=24 s=39
